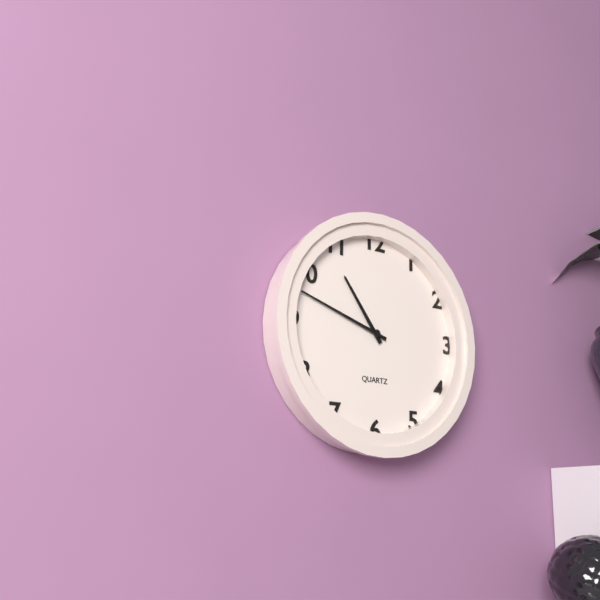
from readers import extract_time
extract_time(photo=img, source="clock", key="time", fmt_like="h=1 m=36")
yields h=10 m=48
